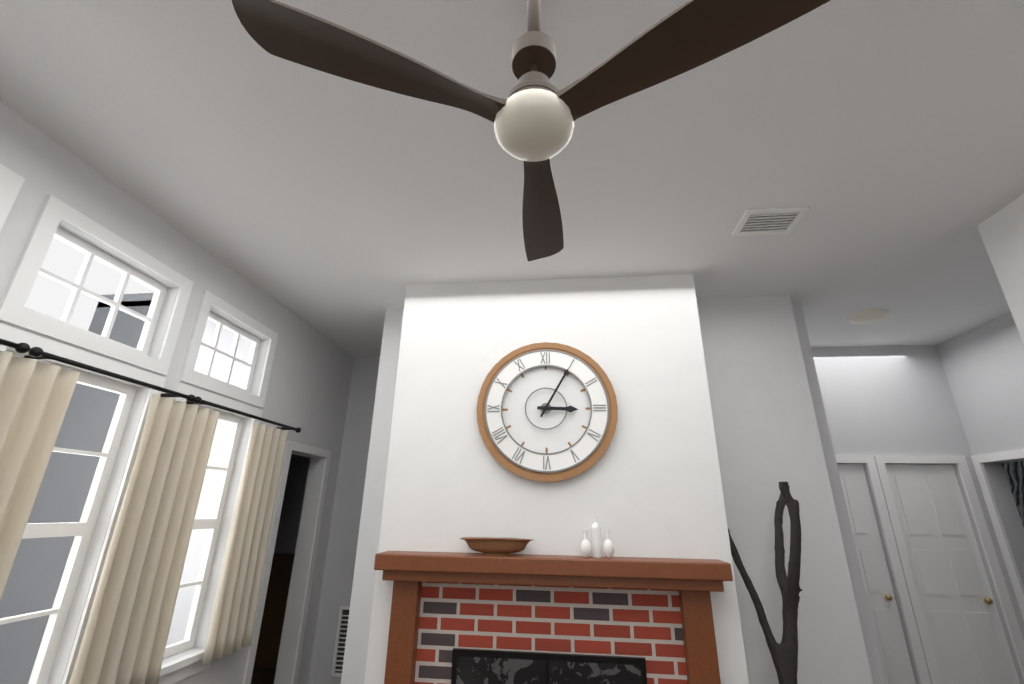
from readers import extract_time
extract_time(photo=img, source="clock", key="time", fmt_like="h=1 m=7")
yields h=3 m=5
